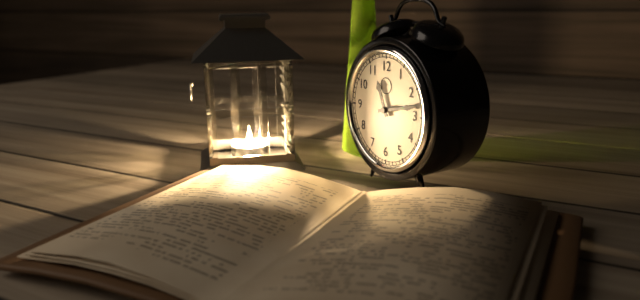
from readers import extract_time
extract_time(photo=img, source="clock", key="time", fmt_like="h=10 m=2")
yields h=11 m=13
